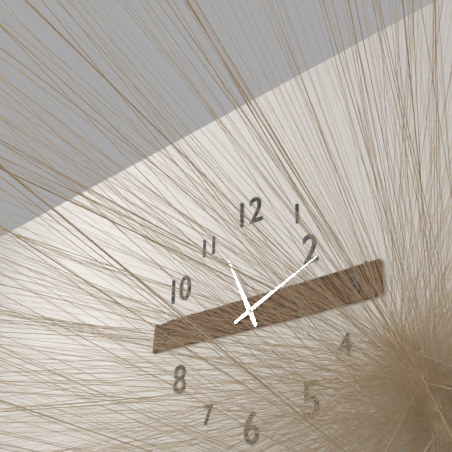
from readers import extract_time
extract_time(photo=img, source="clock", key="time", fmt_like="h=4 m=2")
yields h=11 m=11
